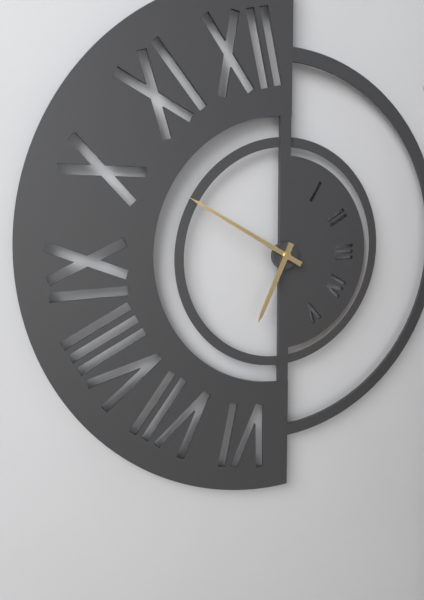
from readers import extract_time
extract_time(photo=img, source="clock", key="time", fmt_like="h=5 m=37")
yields h=6 m=50
